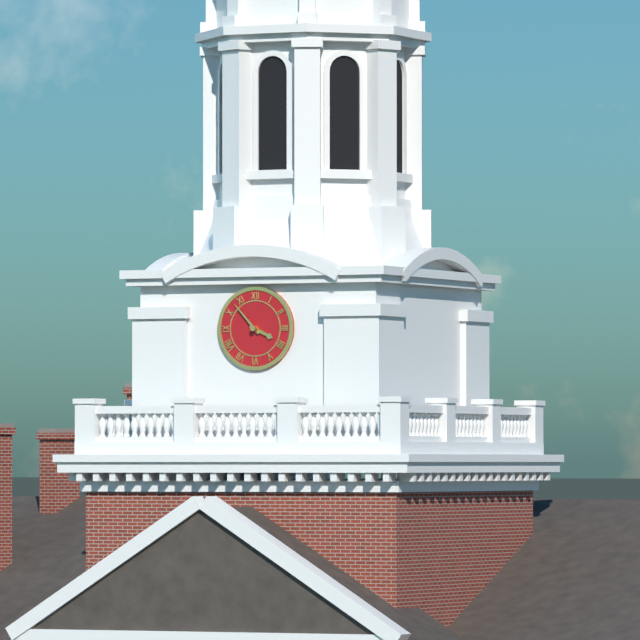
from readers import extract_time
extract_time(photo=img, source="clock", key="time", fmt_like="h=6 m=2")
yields h=3 m=53
